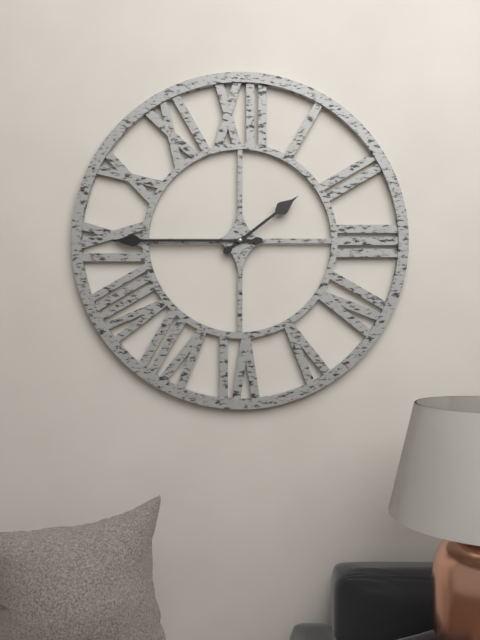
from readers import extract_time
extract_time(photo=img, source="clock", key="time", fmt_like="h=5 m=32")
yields h=1 m=45
